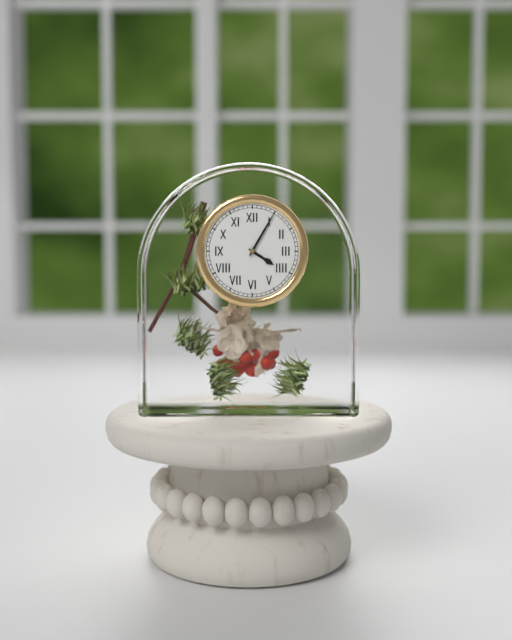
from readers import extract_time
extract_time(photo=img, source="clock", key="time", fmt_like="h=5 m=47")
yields h=4 m=5
